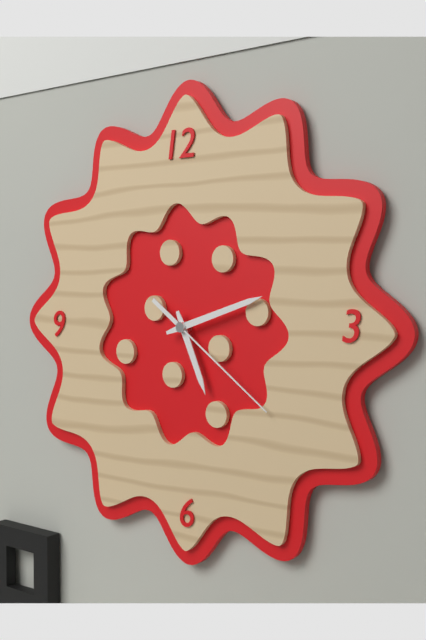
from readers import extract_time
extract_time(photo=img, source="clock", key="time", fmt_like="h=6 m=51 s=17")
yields h=5 m=12 s=21
